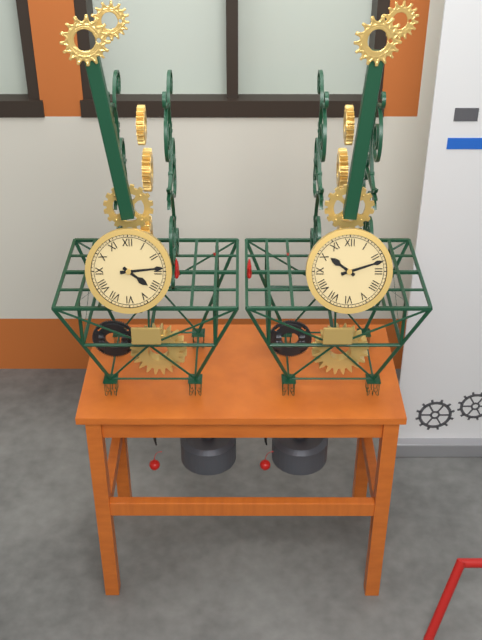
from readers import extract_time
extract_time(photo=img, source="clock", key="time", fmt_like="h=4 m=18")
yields h=4 m=14
